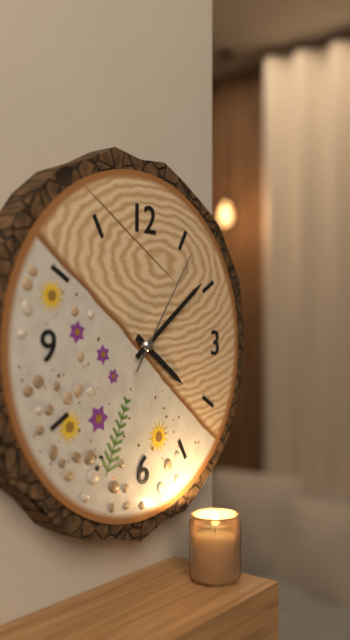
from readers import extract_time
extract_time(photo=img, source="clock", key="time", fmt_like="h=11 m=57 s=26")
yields h=4 m=9 s=6
